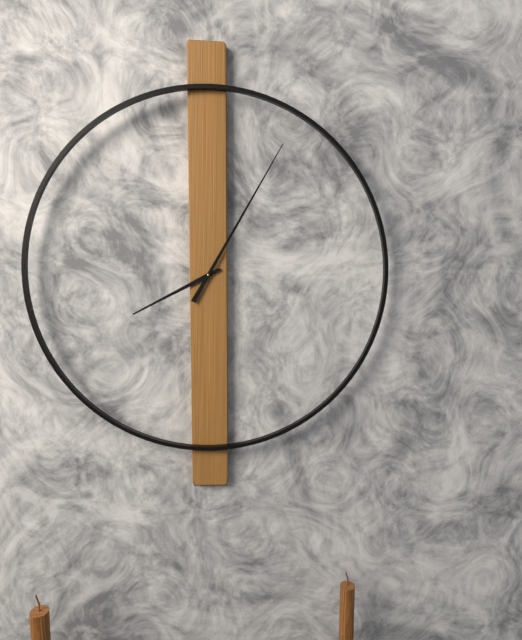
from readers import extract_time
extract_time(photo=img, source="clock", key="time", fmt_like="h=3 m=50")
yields h=8 m=5
